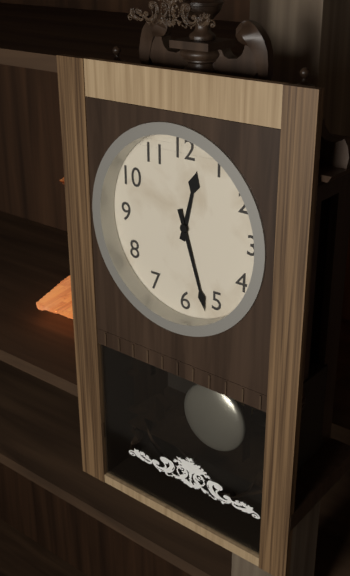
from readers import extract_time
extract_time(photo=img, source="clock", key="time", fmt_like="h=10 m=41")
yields h=12 m=27
